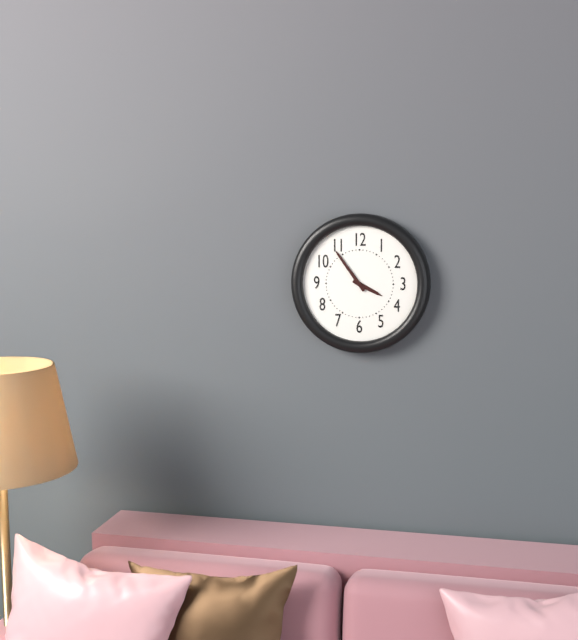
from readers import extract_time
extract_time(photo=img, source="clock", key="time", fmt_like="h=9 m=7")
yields h=3 m=54
